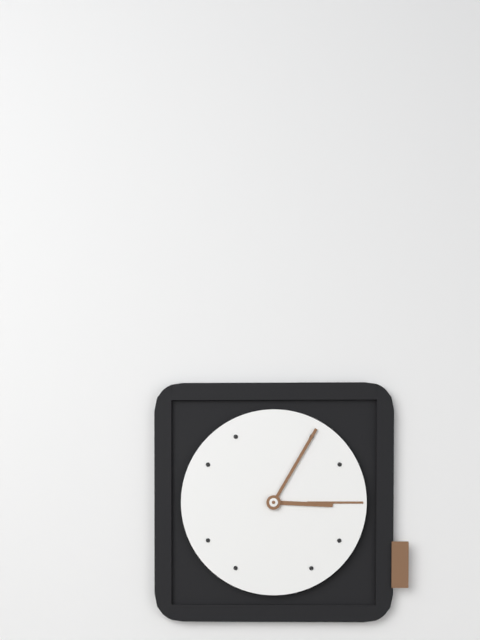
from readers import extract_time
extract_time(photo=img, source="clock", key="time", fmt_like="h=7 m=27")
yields h=3 m=5
